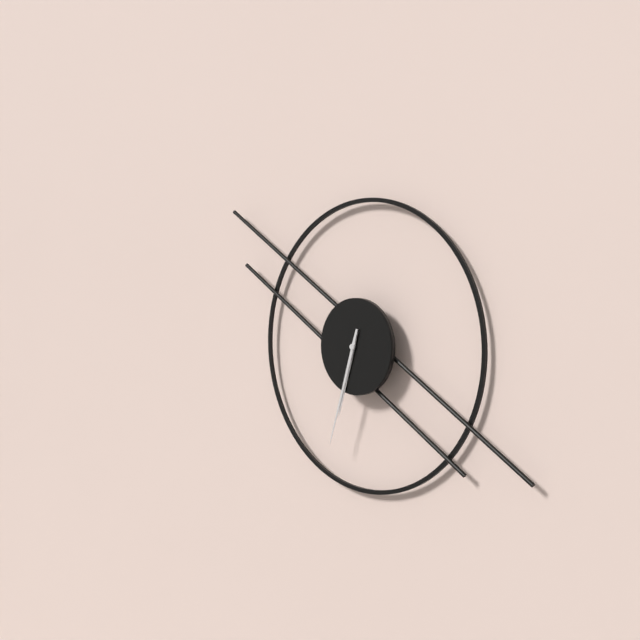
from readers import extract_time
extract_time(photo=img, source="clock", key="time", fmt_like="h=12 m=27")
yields h=6 m=33
